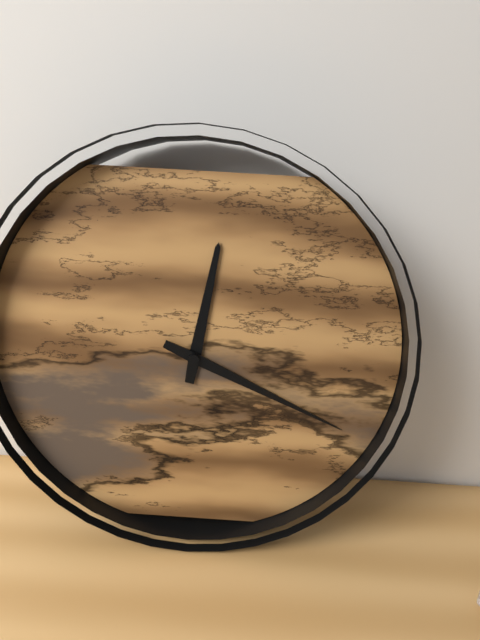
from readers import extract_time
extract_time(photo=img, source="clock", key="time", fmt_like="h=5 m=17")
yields h=12 m=19
